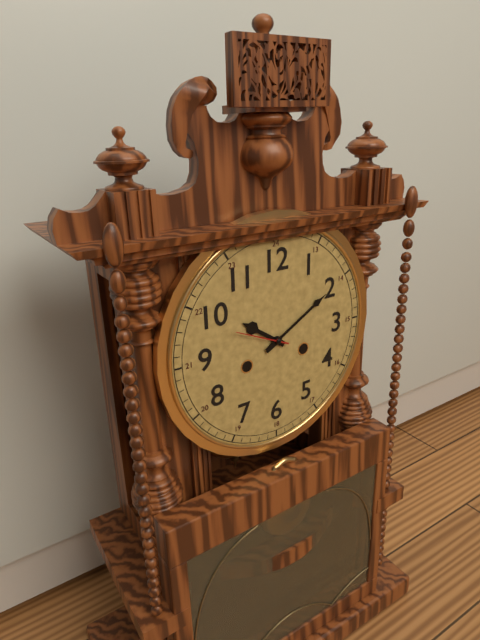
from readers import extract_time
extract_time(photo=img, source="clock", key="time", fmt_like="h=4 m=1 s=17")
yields h=10 m=10 s=49
